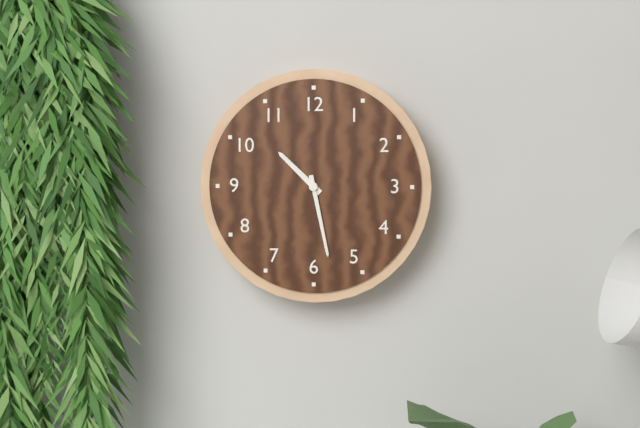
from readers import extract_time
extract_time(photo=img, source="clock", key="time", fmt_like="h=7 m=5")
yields h=10 m=28
